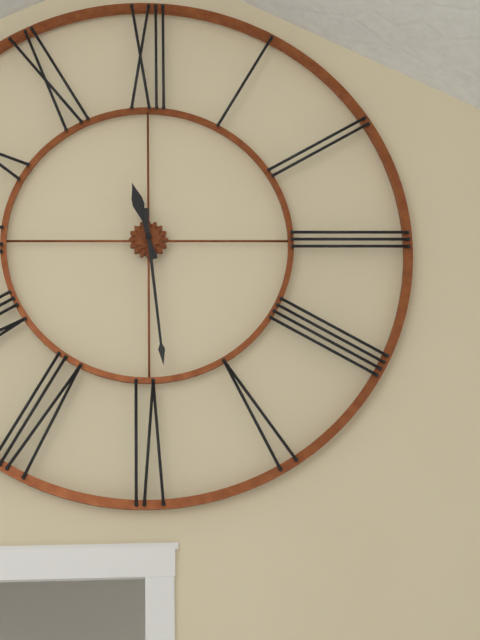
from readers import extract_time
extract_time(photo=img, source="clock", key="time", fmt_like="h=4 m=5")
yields h=11 m=29
